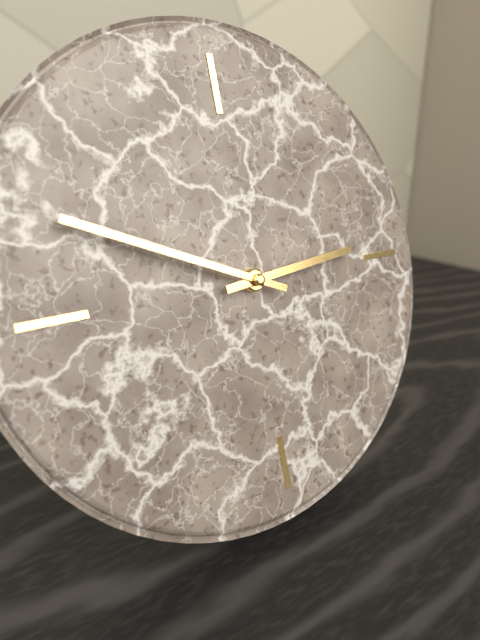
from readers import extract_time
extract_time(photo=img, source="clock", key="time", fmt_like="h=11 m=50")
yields h=2 m=49
